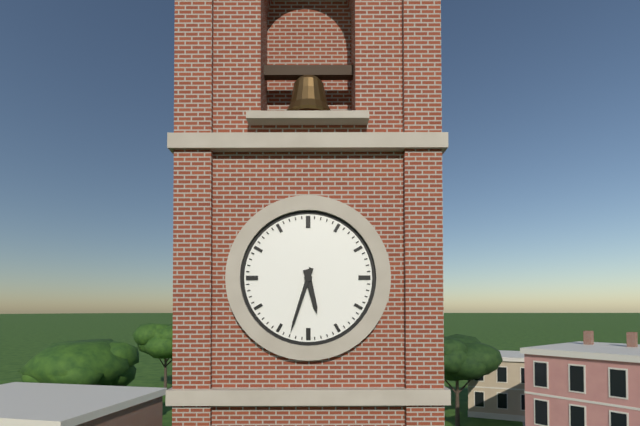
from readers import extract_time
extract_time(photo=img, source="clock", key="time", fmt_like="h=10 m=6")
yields h=5 m=33
